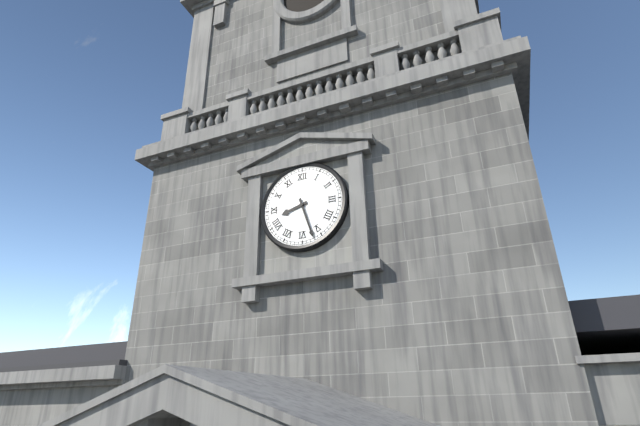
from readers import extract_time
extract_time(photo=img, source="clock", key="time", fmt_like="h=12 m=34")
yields h=8 m=27
